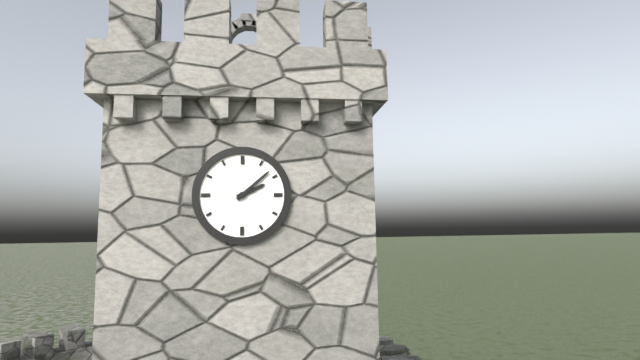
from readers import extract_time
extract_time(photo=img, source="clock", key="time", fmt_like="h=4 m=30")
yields h=2 m=8
